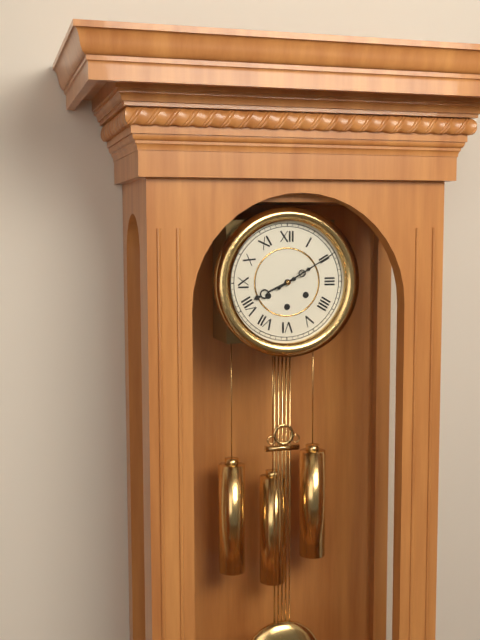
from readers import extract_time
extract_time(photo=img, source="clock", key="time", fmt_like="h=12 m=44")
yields h=8 m=10
